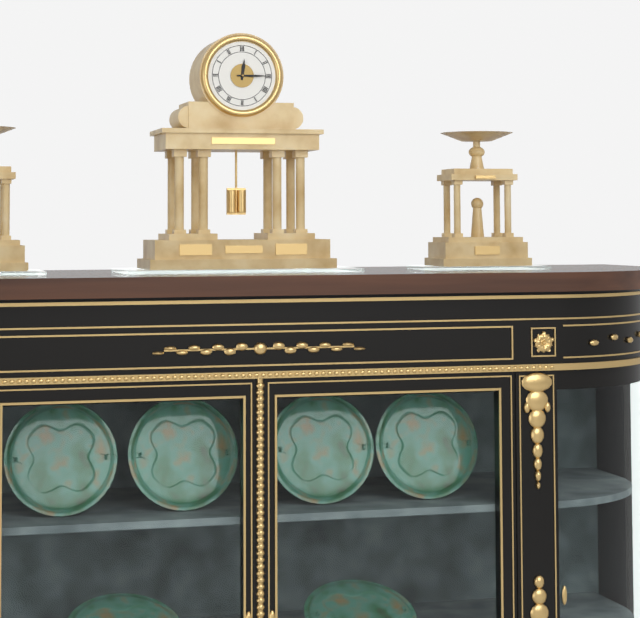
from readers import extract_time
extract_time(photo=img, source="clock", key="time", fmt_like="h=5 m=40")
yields h=12 m=15
